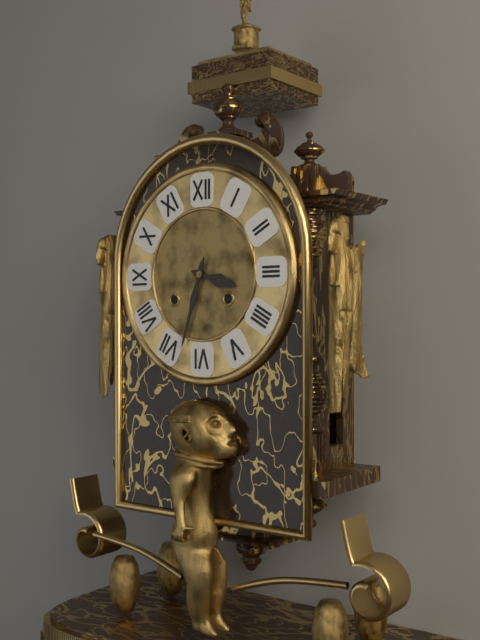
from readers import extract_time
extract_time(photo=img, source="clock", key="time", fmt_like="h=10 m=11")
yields h=3 m=33
